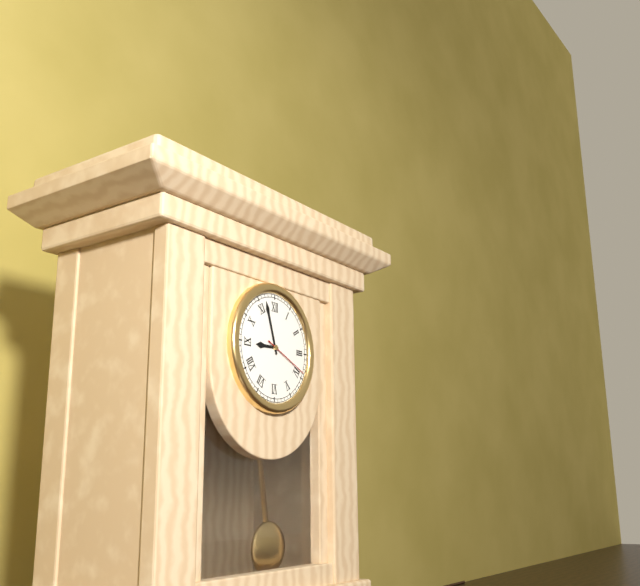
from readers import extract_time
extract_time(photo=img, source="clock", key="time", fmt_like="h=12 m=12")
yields h=8 m=57
